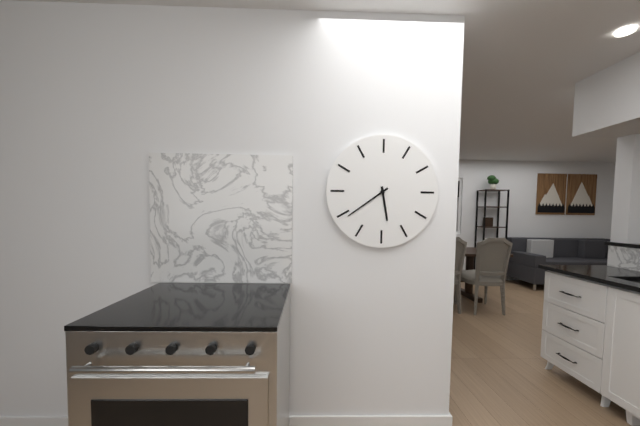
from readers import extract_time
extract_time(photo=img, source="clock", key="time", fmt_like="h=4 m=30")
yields h=5 m=39
